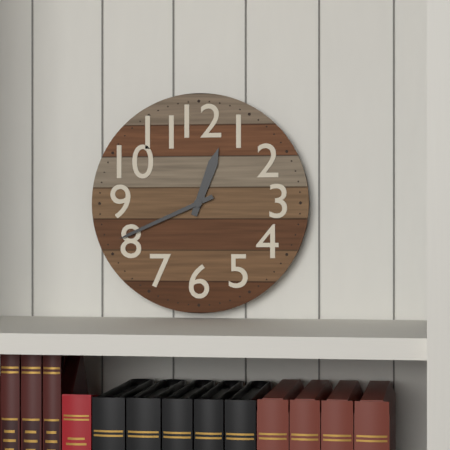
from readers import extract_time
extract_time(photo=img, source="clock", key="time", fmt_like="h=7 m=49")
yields h=12 m=41
